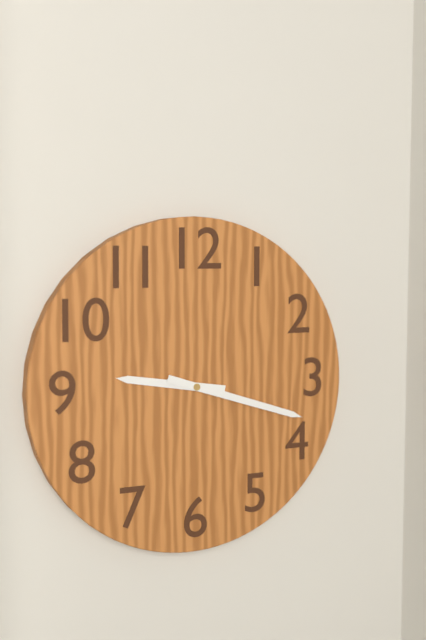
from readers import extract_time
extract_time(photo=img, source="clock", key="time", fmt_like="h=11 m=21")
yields h=9 m=18
